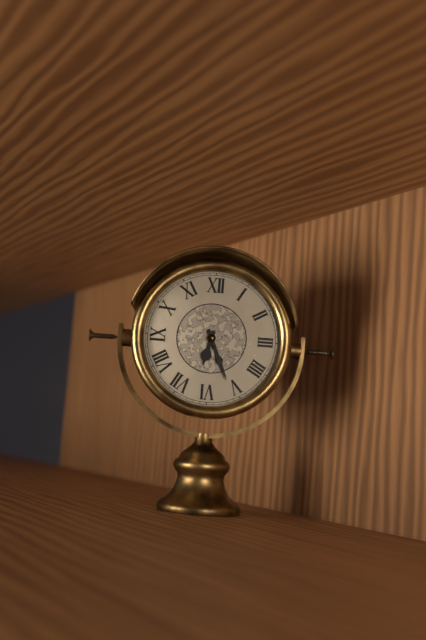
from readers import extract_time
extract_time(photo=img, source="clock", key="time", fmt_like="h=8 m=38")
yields h=6 m=26
